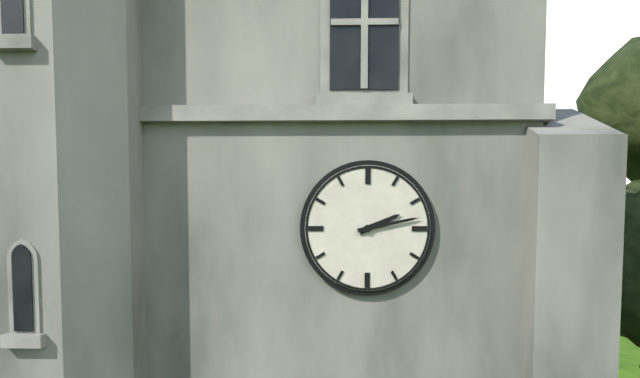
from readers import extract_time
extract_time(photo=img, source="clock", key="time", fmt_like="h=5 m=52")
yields h=2 m=13
